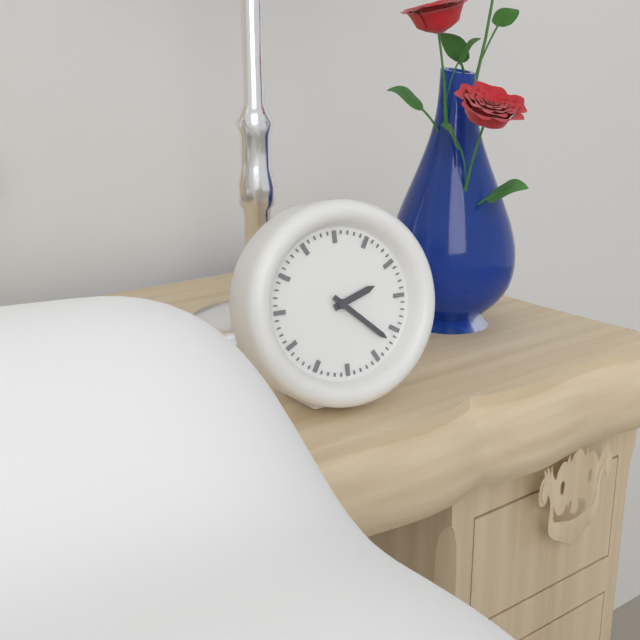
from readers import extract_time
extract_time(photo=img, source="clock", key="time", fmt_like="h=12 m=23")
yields h=2 m=22
